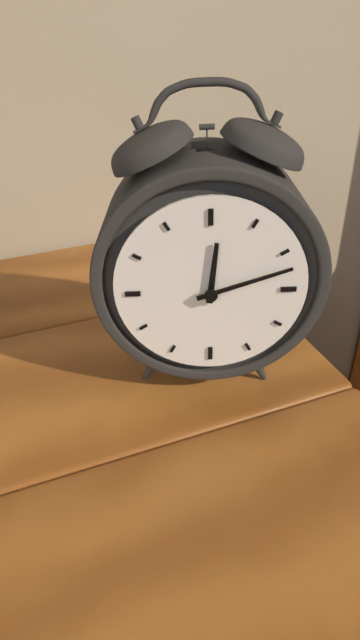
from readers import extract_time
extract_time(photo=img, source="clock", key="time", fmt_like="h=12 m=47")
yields h=12 m=12
